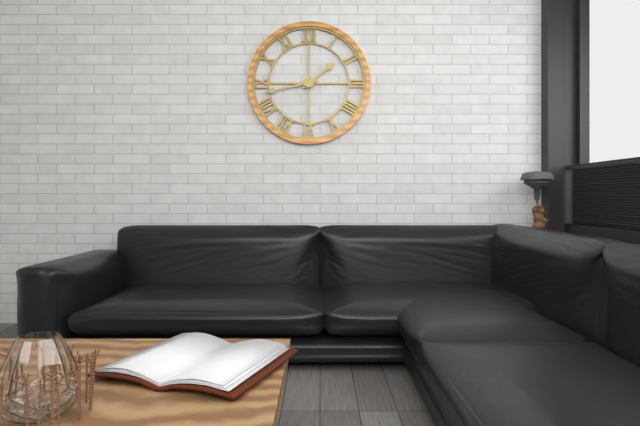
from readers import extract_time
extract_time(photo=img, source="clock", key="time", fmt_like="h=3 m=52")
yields h=1 m=43
